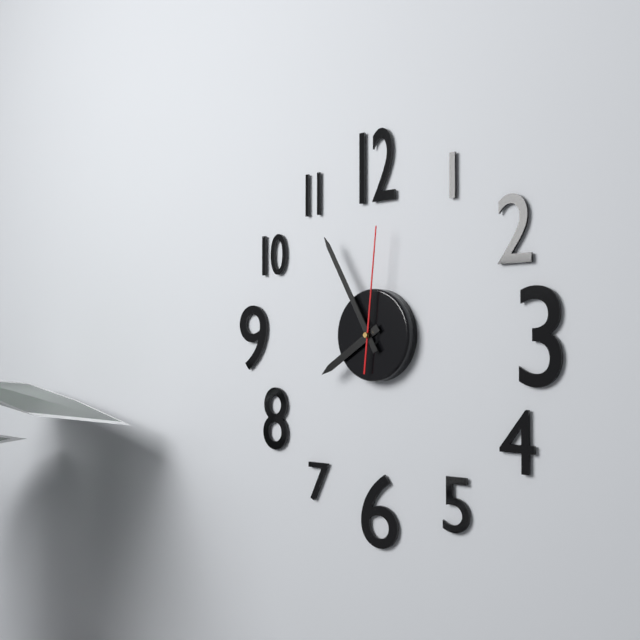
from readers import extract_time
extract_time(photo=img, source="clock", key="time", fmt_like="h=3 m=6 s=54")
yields h=7 m=55 s=1
